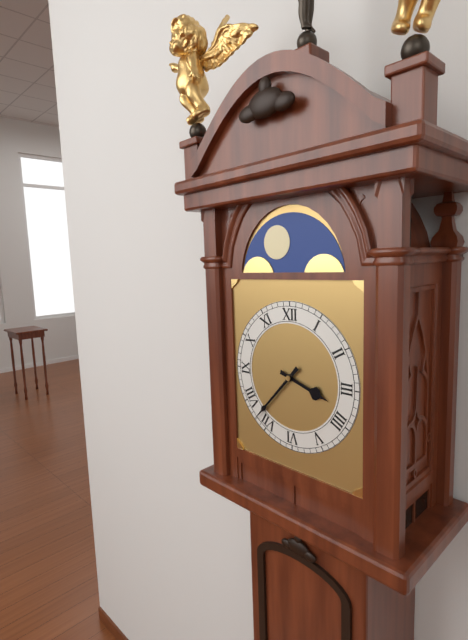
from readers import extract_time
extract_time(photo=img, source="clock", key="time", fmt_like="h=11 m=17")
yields h=3 m=37
